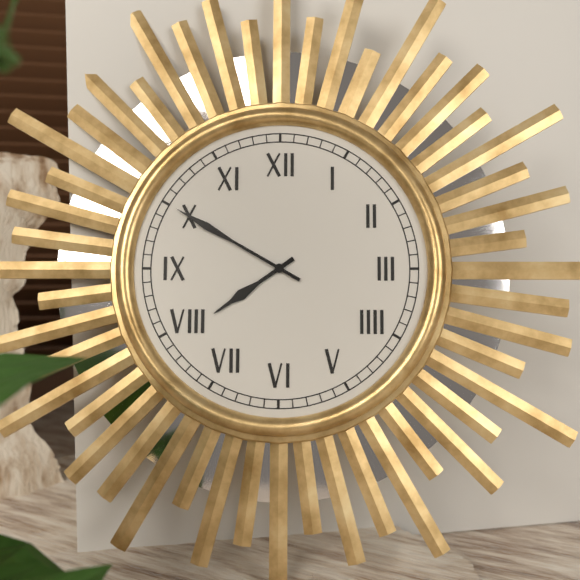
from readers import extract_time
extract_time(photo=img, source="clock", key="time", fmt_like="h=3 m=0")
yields h=7 m=50
